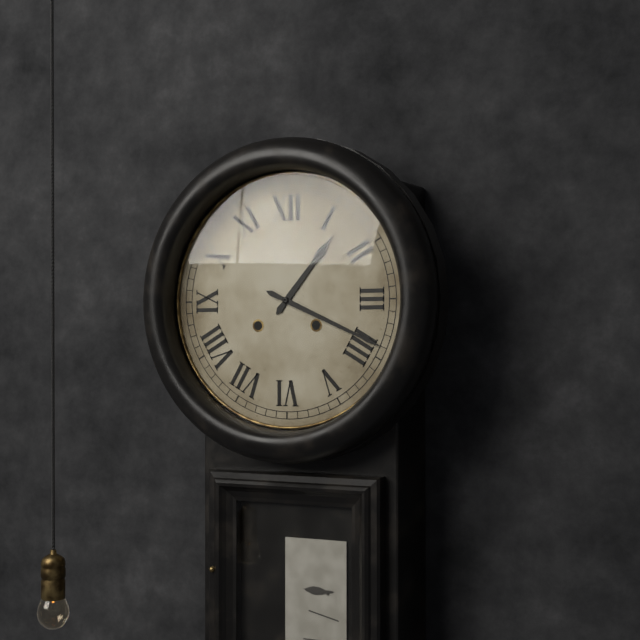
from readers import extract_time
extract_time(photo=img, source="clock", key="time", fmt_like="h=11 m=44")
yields h=1 m=19
